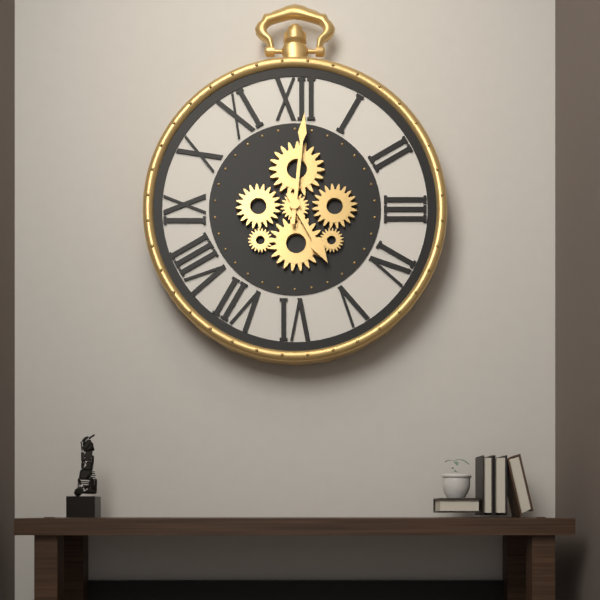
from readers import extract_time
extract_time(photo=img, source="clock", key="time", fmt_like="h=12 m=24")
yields h=5 m=1
